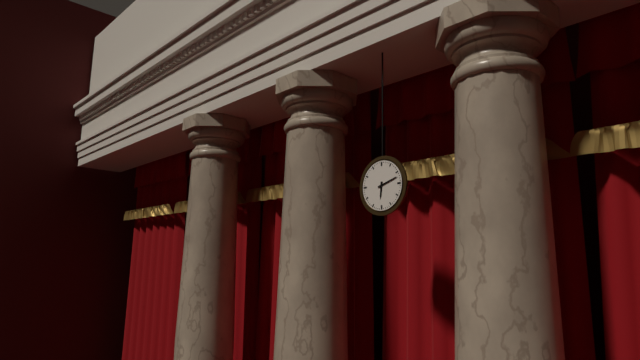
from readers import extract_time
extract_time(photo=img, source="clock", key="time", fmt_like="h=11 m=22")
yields h=6 m=12
